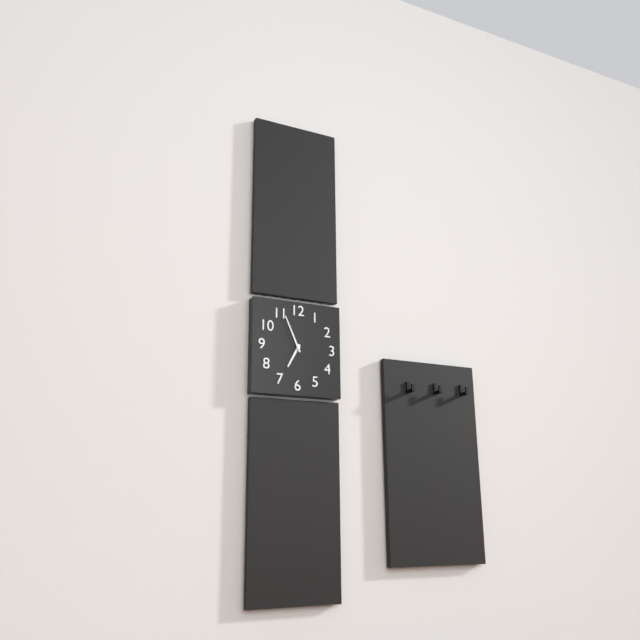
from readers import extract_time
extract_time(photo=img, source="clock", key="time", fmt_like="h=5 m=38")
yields h=6 m=56
